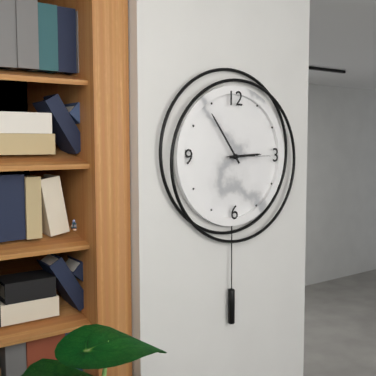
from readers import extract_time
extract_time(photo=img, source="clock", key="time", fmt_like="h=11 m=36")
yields h=2 m=54
